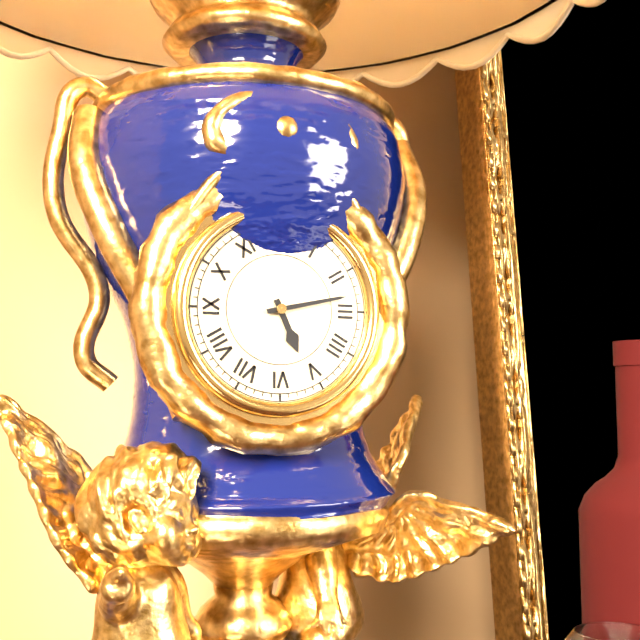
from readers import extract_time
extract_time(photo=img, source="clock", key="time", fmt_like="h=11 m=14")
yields h=5 m=13
